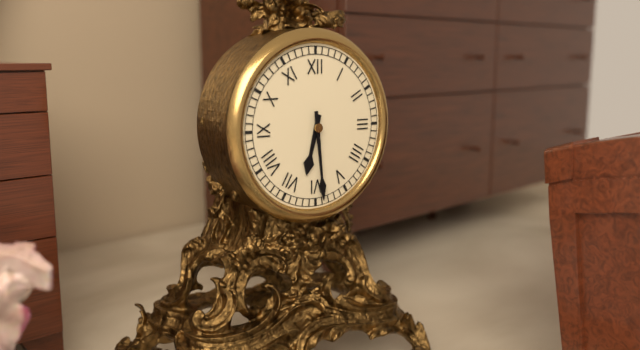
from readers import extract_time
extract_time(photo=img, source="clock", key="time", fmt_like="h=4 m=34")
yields h=6 m=29
